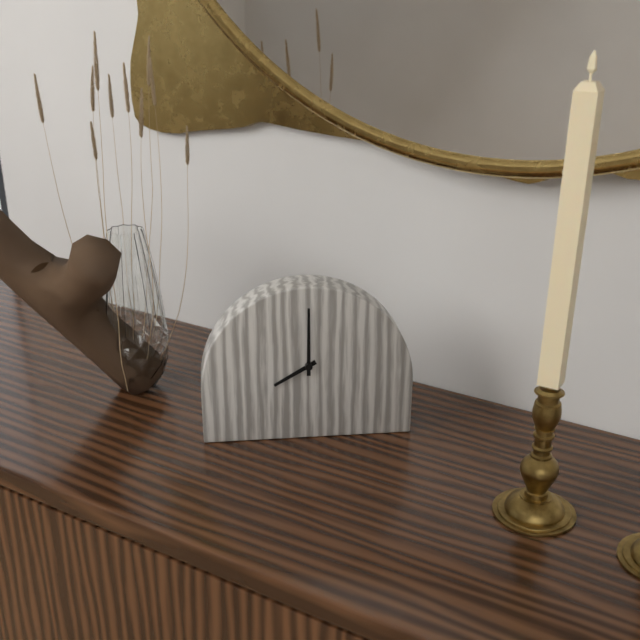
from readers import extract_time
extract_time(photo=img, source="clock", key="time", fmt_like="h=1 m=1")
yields h=8 m=0
